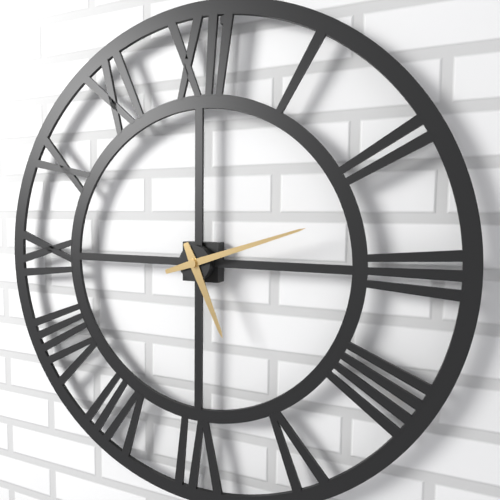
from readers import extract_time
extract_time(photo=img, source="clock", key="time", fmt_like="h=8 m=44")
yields h=5 m=12
